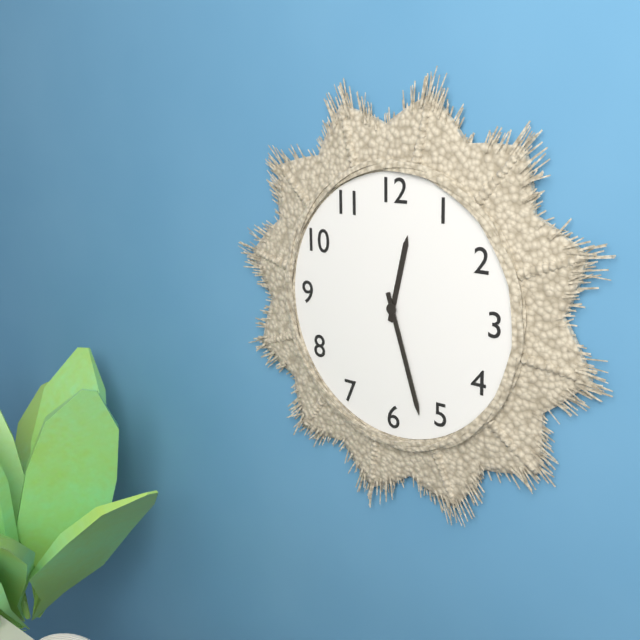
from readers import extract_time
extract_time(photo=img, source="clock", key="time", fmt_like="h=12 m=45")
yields h=12 m=27
